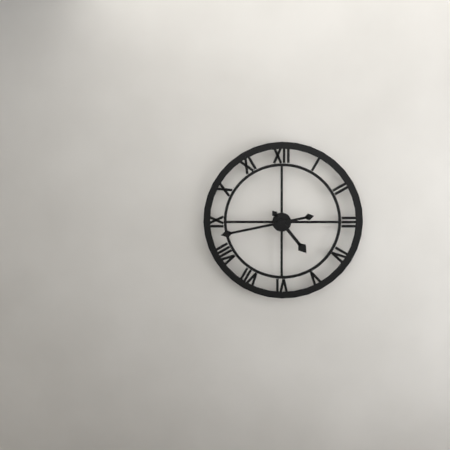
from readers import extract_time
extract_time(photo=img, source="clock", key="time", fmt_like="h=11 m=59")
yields h=4 m=43
